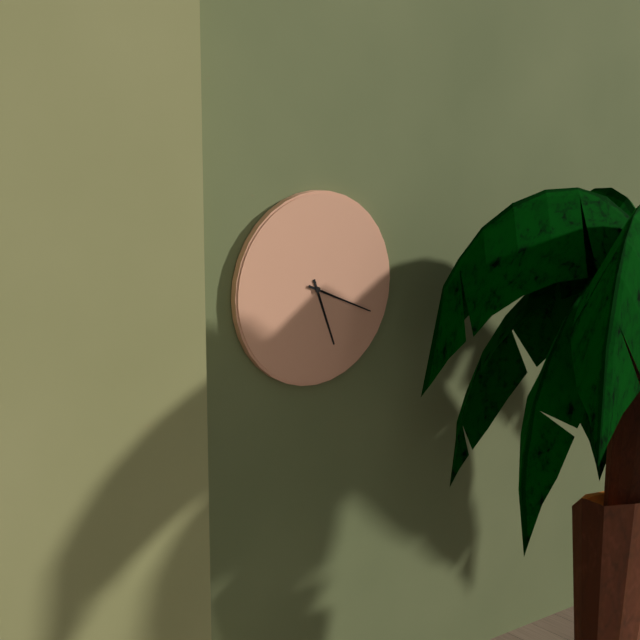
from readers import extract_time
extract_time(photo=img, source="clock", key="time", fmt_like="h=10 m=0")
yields h=5 m=19
